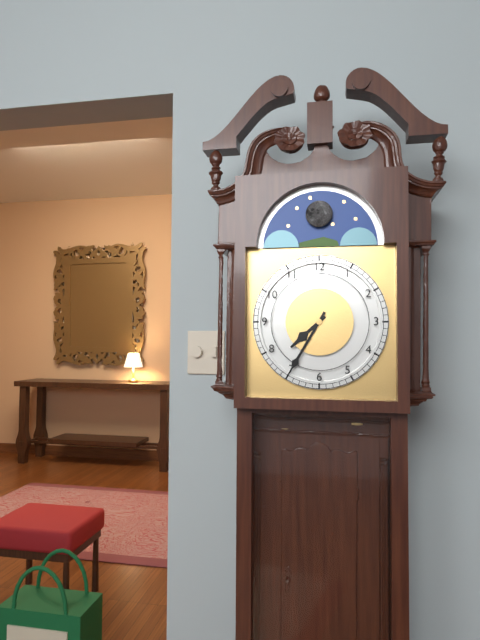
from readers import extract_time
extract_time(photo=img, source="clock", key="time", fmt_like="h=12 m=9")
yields h=7 m=35
